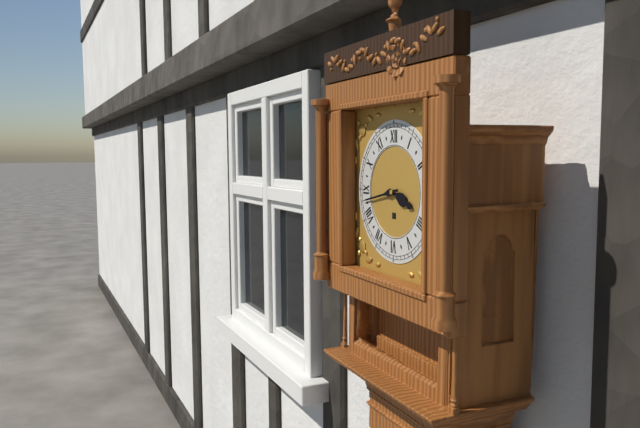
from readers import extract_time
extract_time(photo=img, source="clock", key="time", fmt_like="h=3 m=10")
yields h=3 m=43
